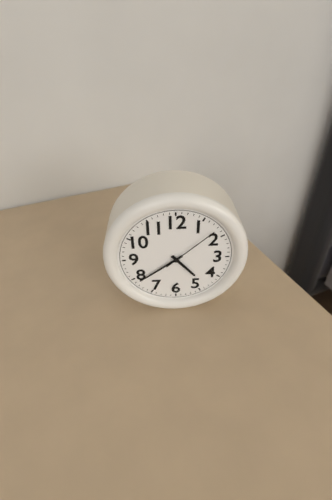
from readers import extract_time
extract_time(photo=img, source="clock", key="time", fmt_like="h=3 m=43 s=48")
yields h=4 m=39 s=8
